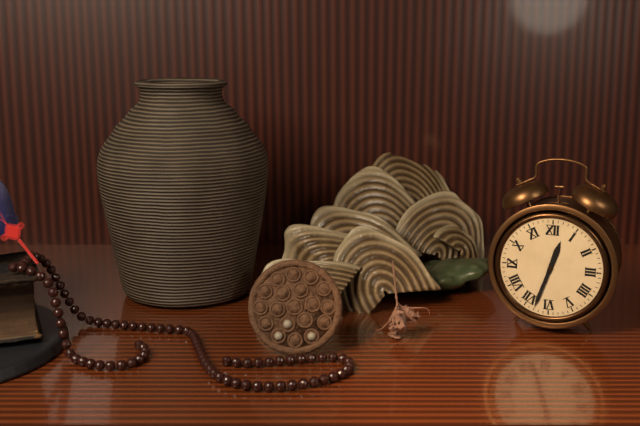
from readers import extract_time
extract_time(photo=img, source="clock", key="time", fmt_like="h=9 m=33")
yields h=12 m=33
